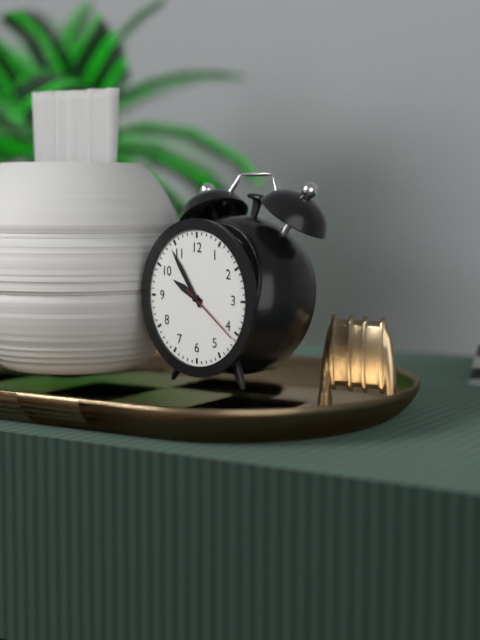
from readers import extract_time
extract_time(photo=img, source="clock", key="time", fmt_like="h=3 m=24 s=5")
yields h=9 m=54 s=21
